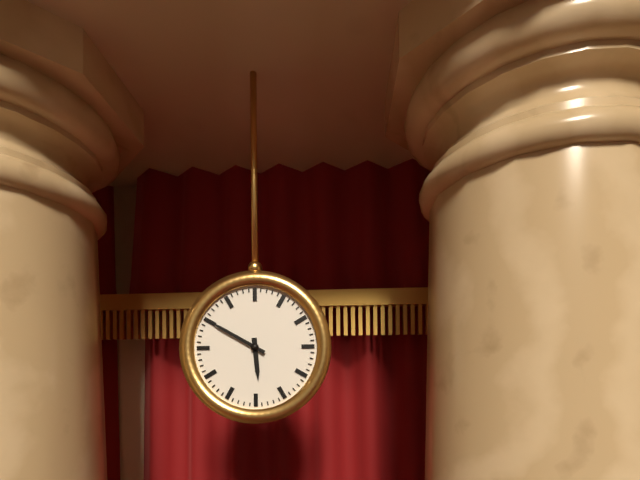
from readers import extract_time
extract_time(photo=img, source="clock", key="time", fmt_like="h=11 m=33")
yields h=5 m=50
